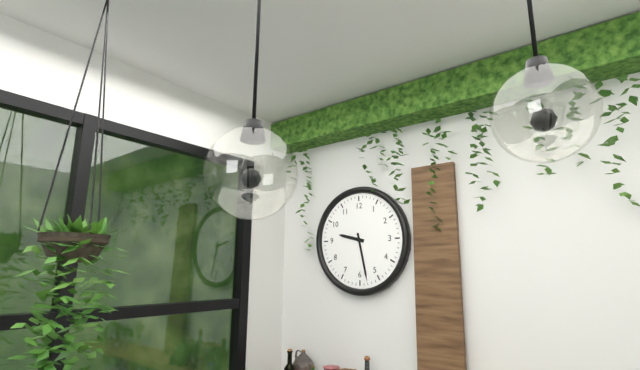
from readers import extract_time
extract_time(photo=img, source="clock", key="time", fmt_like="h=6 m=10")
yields h=9 m=28
